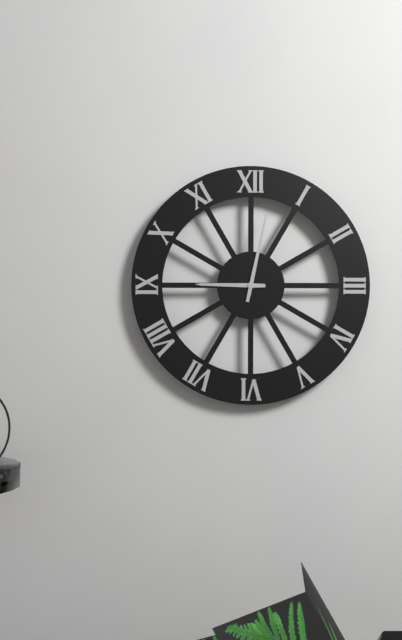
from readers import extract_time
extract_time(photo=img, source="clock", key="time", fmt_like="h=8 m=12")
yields h=9 m=2
